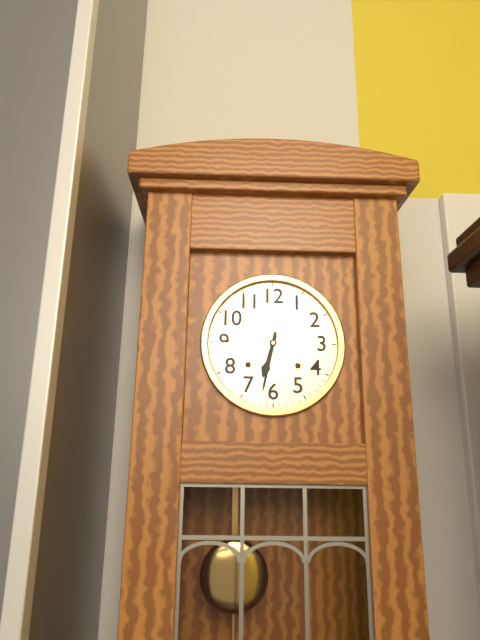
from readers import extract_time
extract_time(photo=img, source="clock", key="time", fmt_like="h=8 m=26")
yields h=6 m=32
